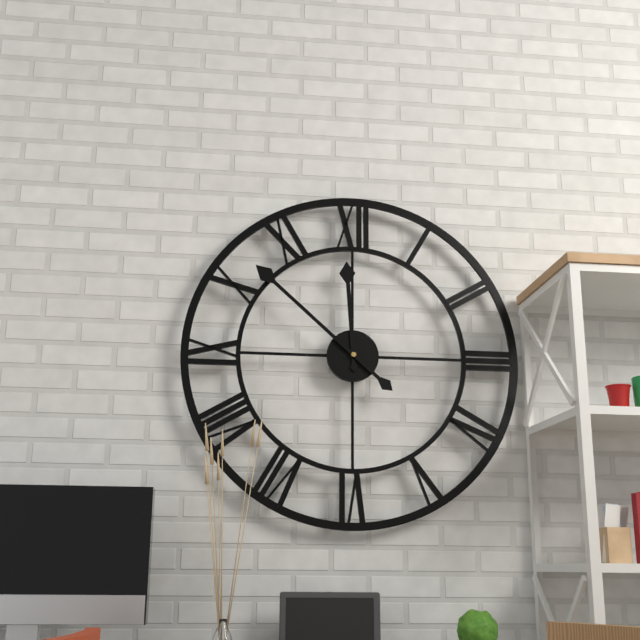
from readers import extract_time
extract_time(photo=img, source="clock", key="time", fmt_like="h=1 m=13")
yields h=11 m=52
